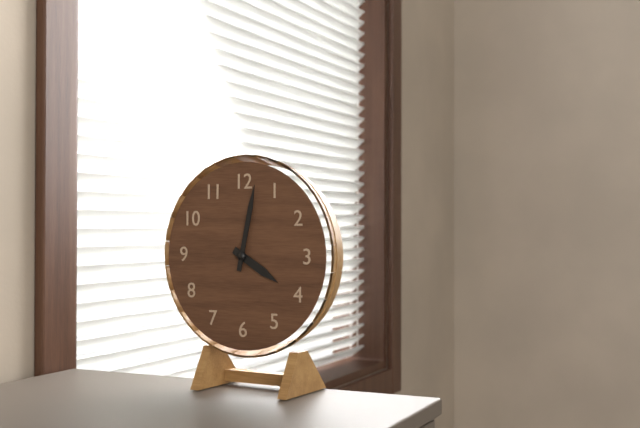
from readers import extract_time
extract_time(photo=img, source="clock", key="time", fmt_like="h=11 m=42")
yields h=4 m=2
